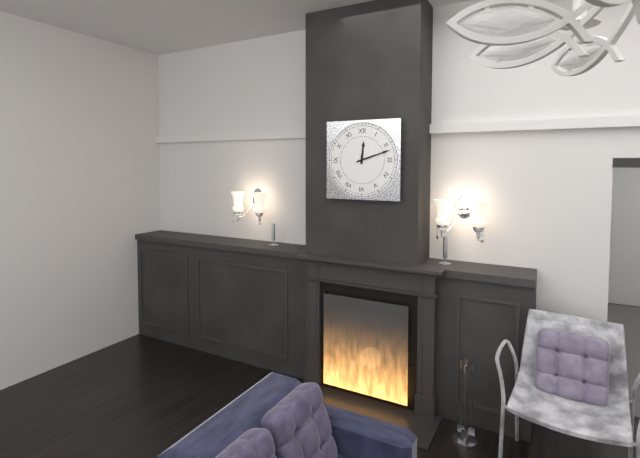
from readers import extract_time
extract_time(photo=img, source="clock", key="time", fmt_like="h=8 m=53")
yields h=12 m=12
